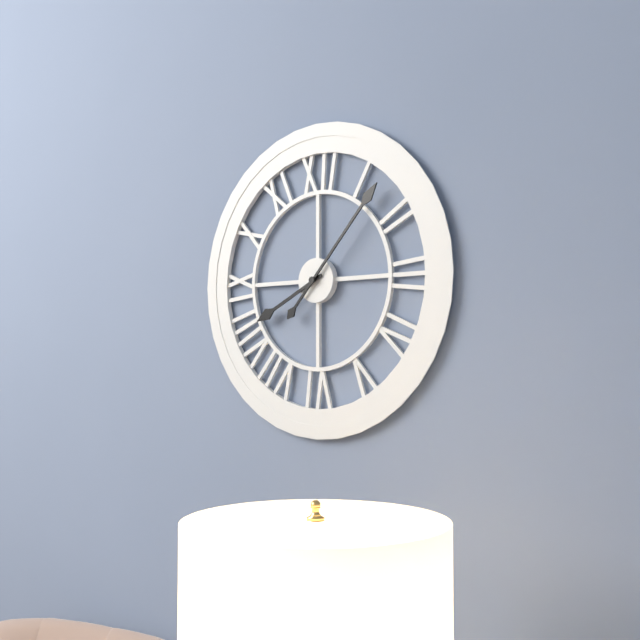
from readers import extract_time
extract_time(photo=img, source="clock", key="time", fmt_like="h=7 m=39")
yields h=8 m=7
